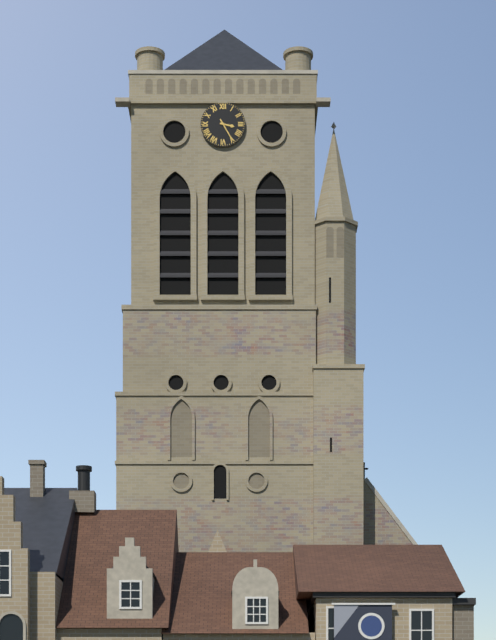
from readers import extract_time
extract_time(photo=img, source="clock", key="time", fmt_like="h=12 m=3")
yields h=3 m=25
